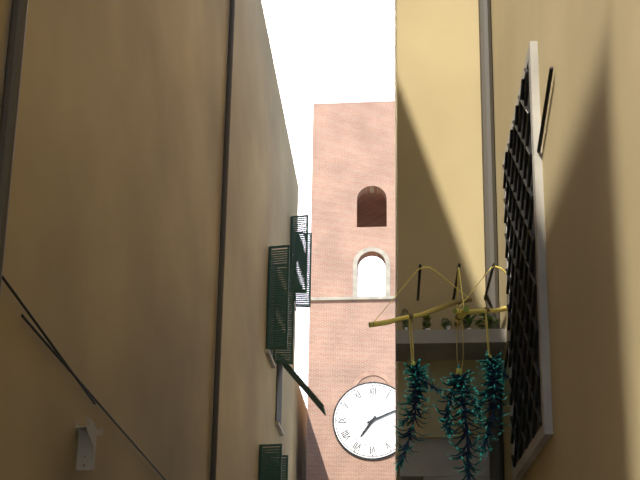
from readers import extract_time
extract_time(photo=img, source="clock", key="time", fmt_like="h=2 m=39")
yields h=7 m=11
